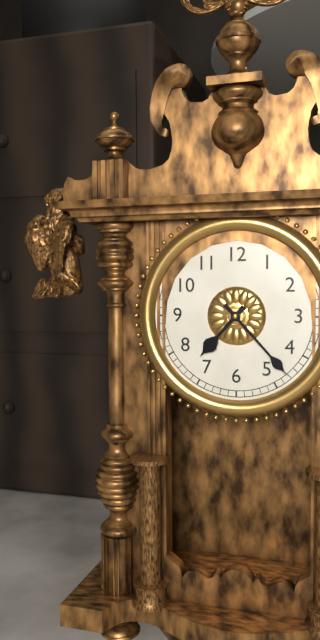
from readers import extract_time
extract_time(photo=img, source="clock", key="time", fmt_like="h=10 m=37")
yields h=7 m=23
